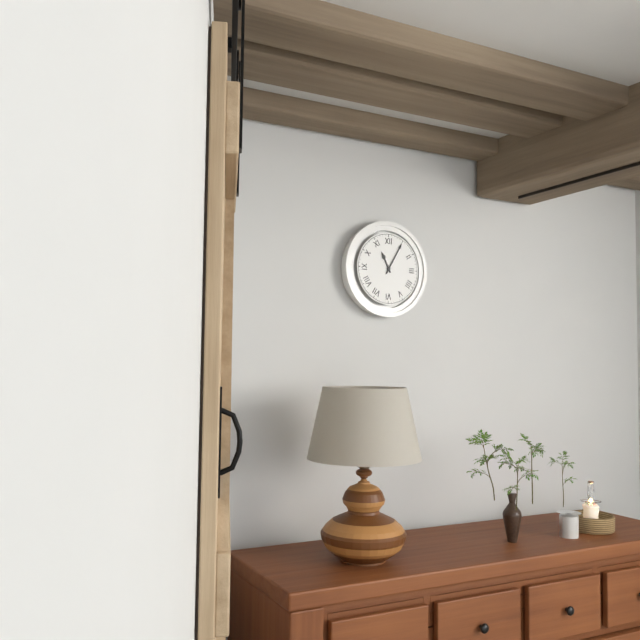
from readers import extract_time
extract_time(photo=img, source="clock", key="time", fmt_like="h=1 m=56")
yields h=11 m=5
